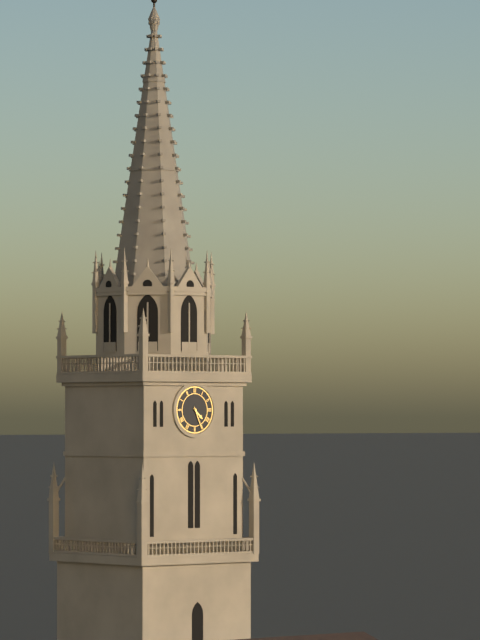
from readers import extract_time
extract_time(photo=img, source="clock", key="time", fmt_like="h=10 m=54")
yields h=4 m=26
